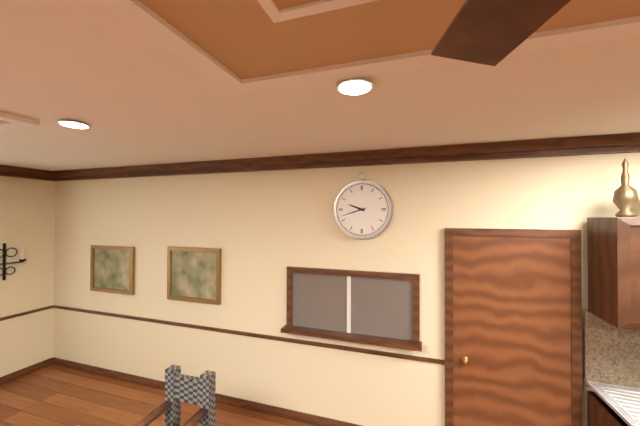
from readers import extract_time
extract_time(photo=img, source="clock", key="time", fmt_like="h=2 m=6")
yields h=9 m=42
